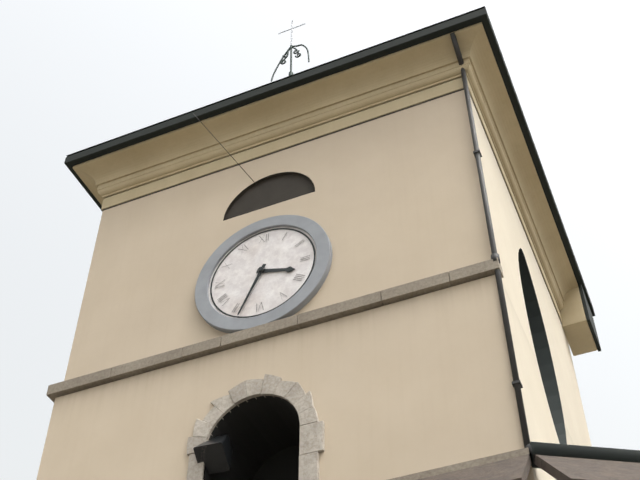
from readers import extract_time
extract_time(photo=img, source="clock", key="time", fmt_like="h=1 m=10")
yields h=3 m=34
